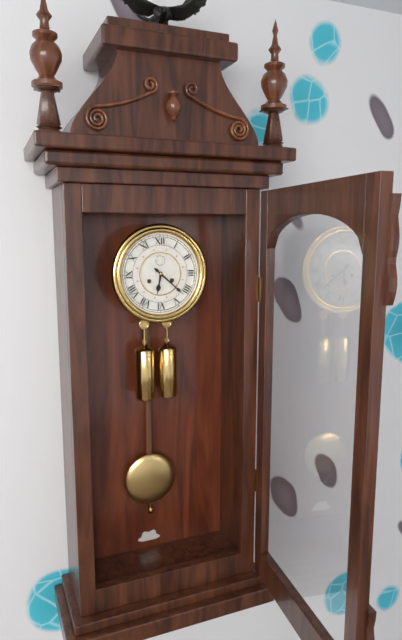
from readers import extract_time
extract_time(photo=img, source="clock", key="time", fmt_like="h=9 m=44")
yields h=6 m=22
